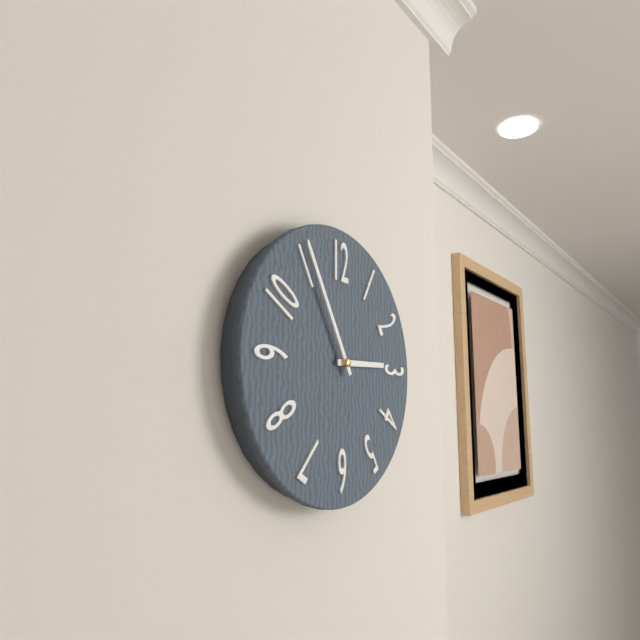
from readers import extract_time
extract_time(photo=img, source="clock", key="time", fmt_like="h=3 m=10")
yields h=2 m=55
